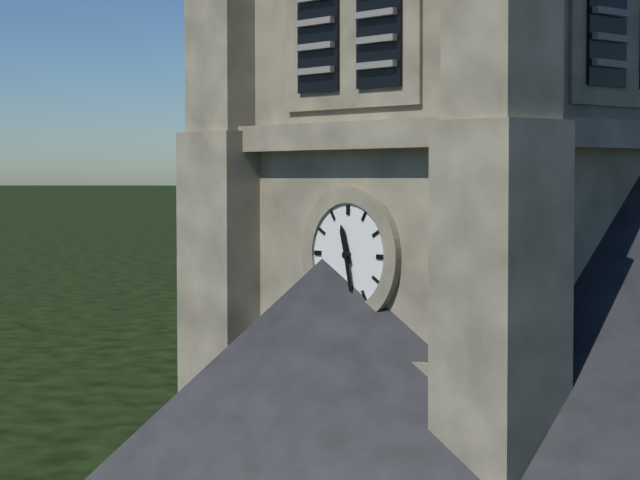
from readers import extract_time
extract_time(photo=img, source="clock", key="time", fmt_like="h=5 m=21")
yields h=11 m=28
